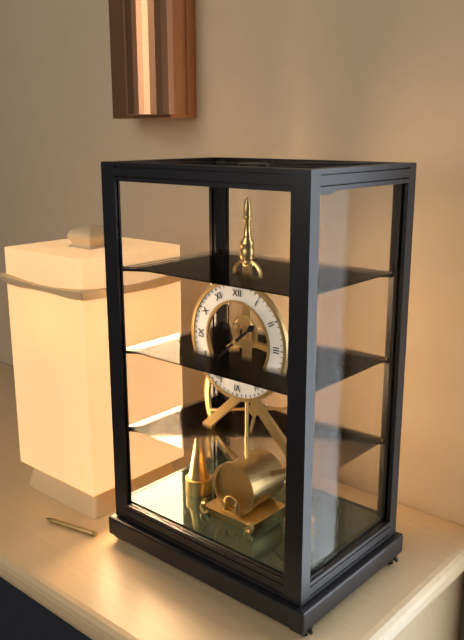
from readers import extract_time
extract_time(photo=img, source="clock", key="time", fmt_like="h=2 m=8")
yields h=1 m=38
